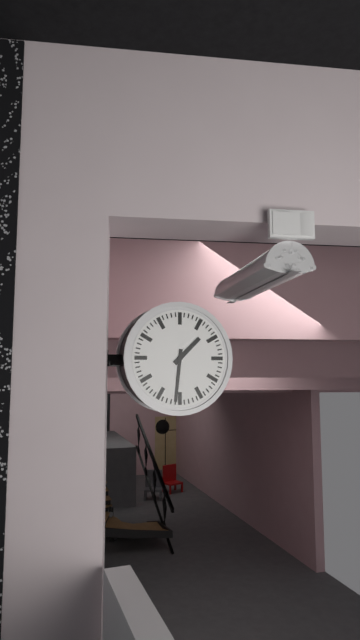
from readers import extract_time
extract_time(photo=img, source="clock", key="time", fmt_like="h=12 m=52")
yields h=1 m=31
